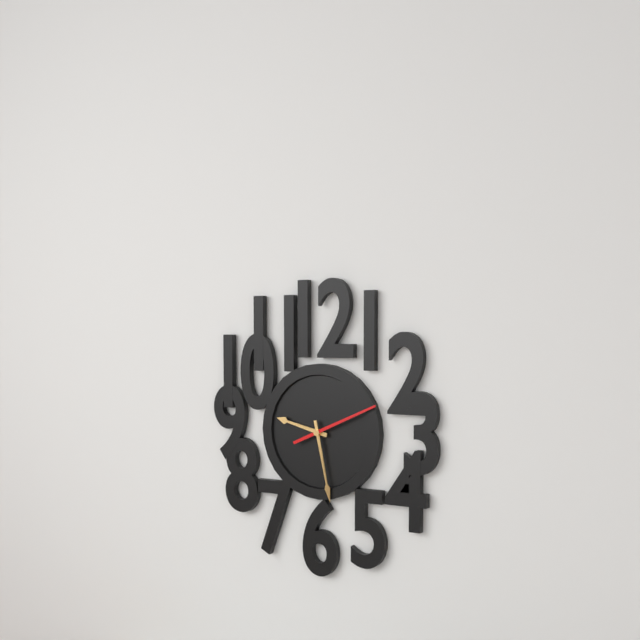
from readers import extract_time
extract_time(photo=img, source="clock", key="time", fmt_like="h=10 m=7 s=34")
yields h=9 m=28 s=11
